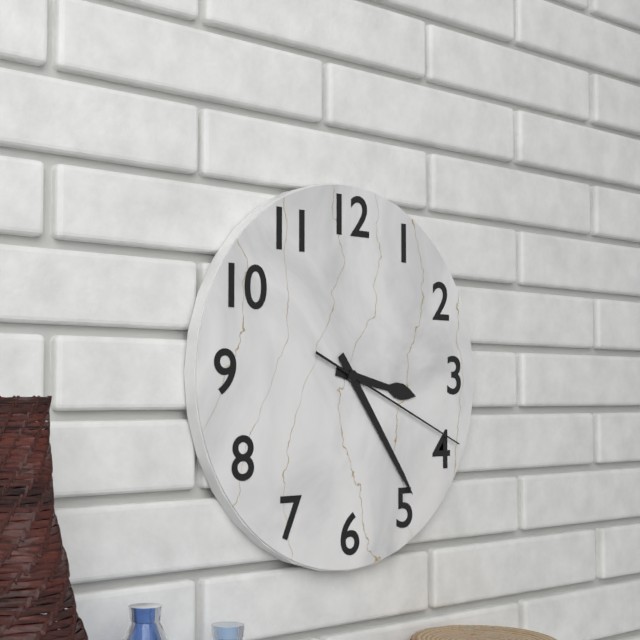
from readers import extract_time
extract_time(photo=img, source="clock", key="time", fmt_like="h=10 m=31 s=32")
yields h=3 m=24 s=19
